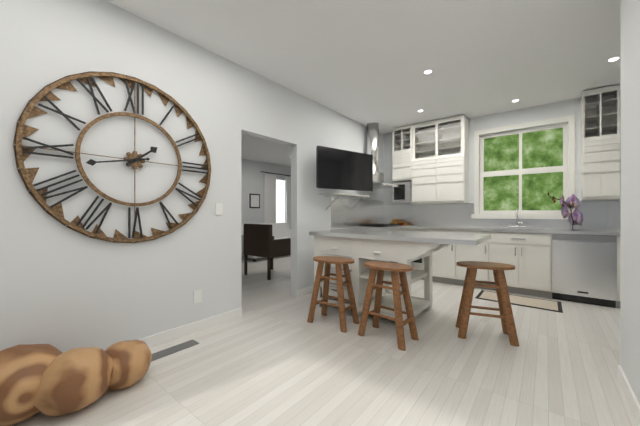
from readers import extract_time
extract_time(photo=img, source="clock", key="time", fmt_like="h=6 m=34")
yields h=1 m=43
